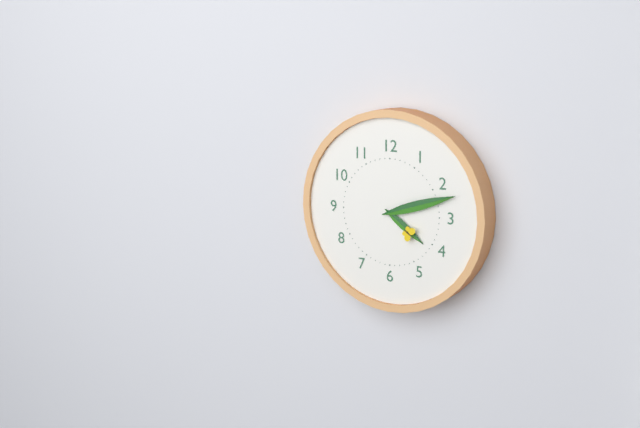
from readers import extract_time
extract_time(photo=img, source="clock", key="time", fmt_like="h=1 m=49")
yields h=4 m=12
